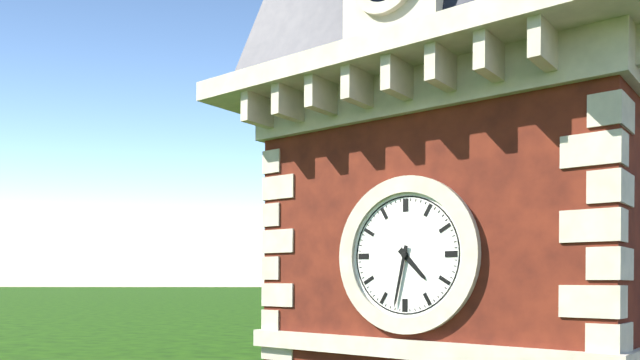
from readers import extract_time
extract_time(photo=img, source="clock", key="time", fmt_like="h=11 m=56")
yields h=4 m=32
